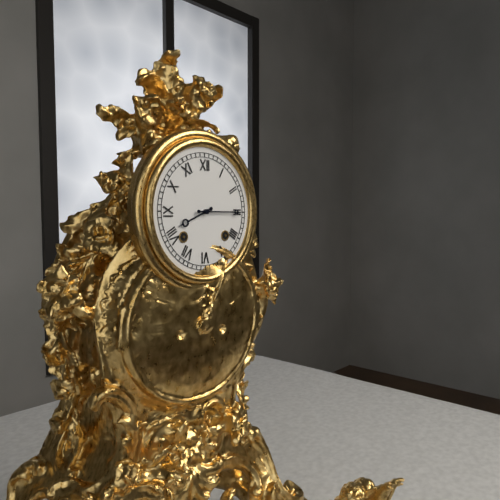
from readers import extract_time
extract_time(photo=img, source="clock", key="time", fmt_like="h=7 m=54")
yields h=8 m=15
